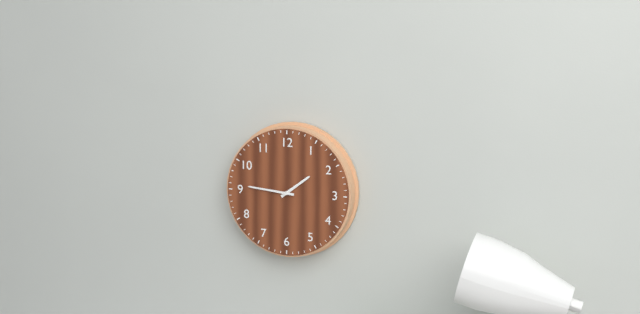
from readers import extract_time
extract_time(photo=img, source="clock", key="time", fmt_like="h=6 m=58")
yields h=1 m=46
